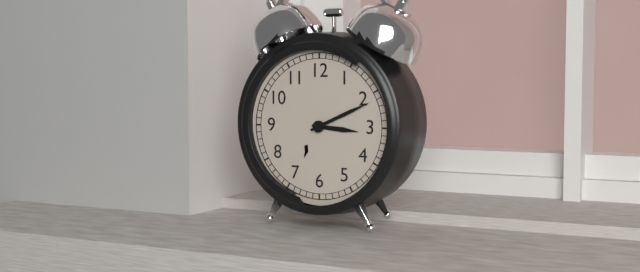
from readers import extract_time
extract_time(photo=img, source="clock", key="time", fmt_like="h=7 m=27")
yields h=3 m=11
